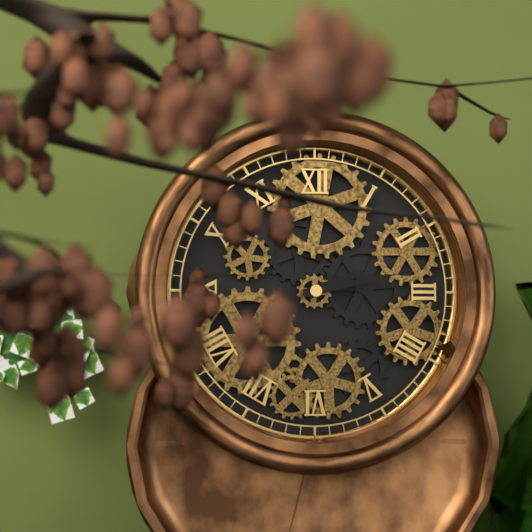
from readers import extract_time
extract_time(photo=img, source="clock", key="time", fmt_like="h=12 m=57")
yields h=2 m=13
